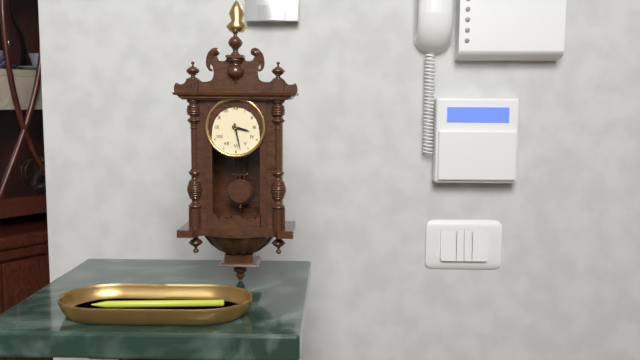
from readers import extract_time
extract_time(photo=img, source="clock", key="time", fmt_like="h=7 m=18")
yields h=3 m=28
